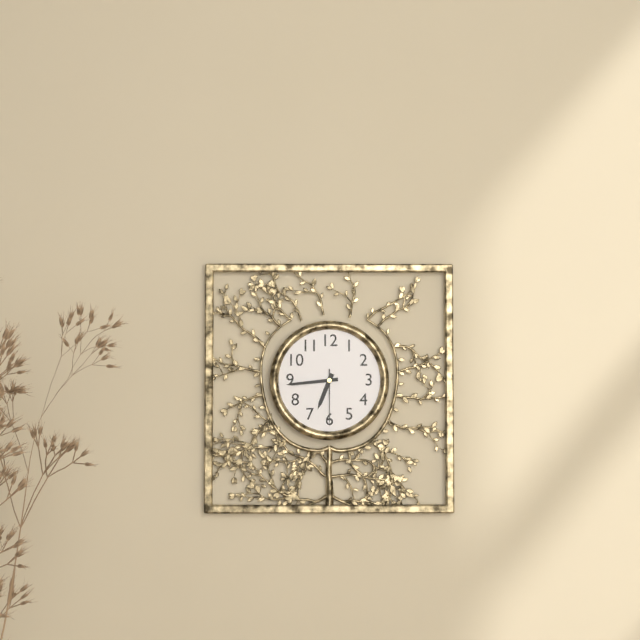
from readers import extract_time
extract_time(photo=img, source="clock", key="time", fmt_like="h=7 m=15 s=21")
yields h=6 m=44 s=30
